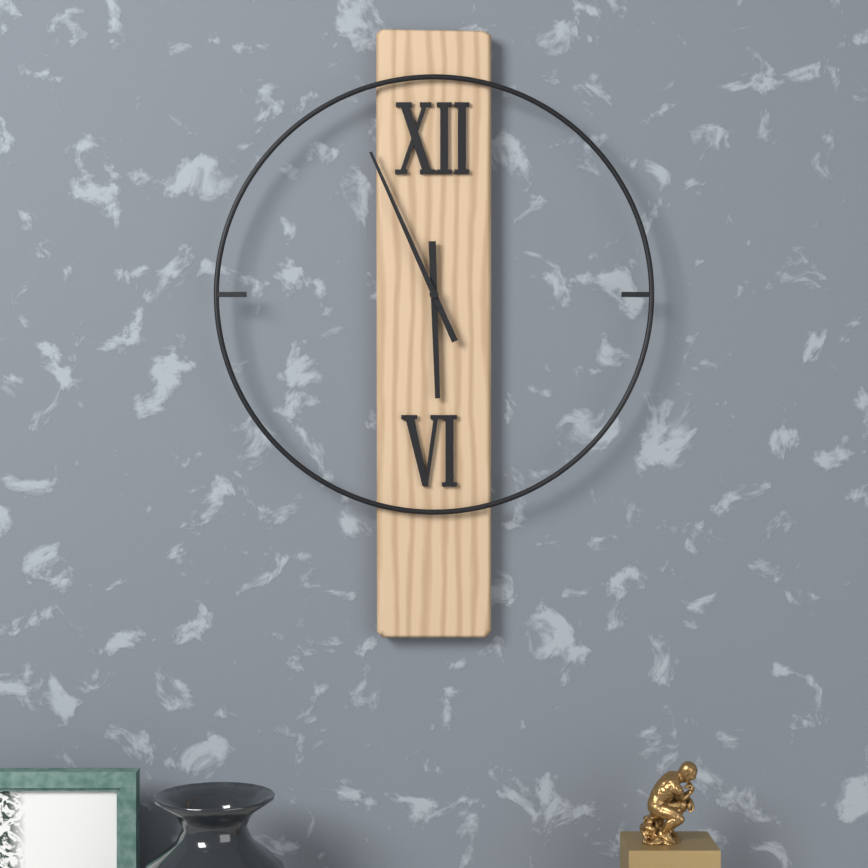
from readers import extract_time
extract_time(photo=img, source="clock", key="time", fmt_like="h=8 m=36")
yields h=5 m=56
